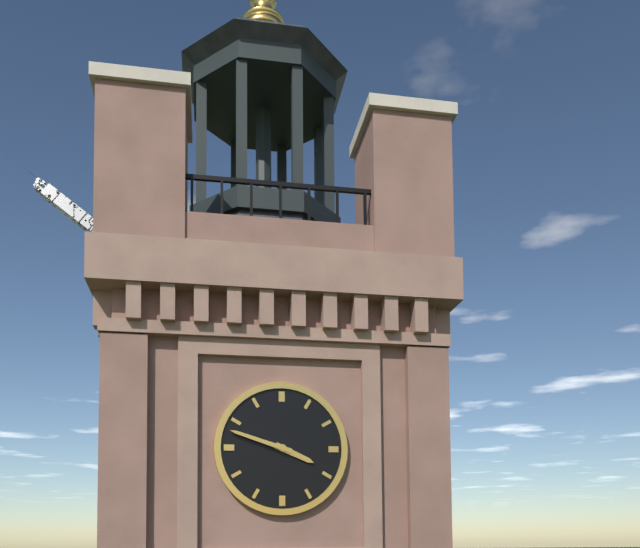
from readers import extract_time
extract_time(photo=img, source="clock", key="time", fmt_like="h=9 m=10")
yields h=3 m=48
